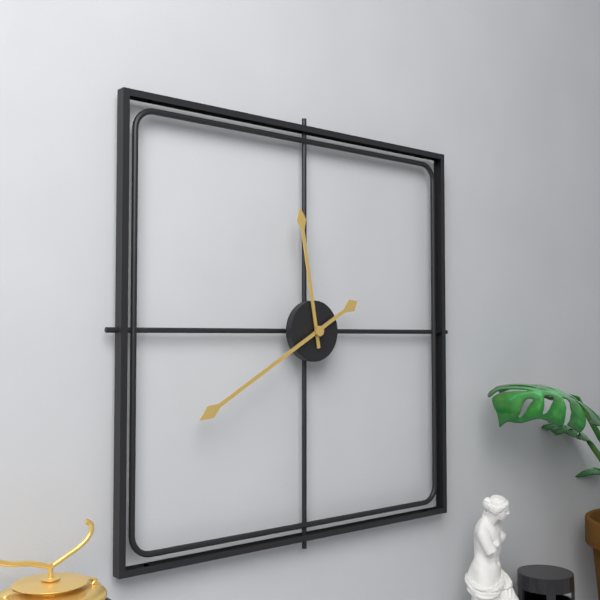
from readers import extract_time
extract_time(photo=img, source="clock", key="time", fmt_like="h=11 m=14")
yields h=11 m=40
